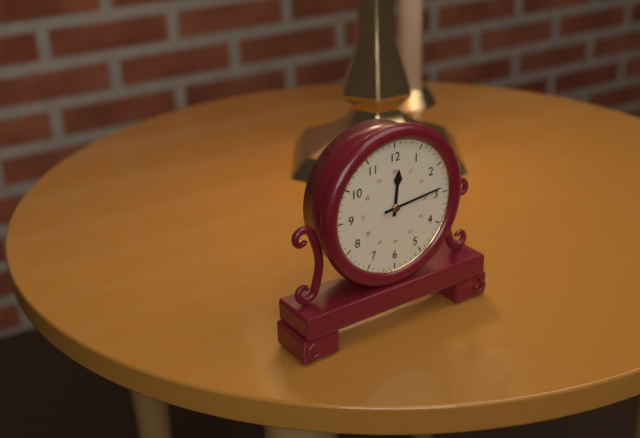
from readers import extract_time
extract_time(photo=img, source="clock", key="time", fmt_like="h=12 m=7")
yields h=12 m=14
